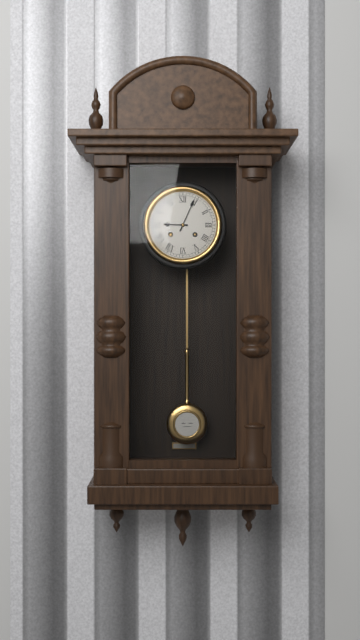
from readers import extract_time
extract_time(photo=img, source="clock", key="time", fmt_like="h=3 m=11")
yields h=9 m=4
